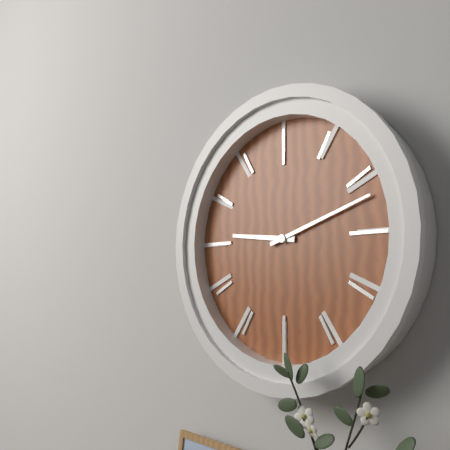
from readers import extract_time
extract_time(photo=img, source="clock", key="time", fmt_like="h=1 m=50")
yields h=9 m=12
